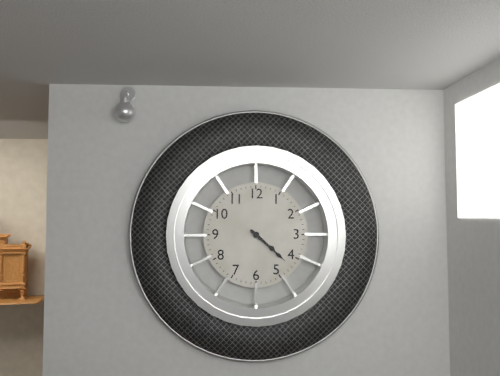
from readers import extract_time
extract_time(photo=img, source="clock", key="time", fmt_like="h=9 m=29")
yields h=4 m=22
